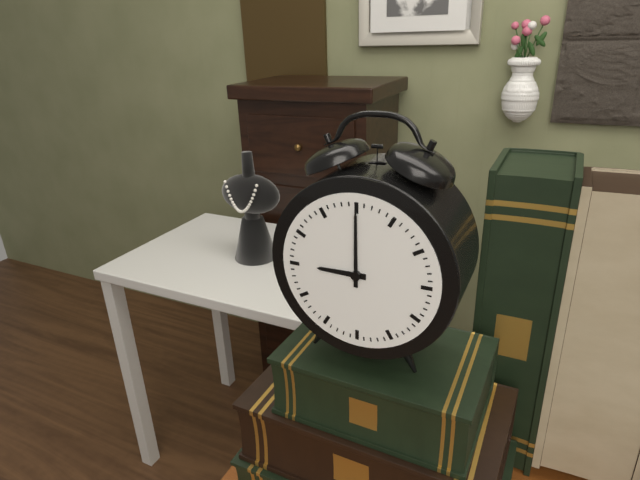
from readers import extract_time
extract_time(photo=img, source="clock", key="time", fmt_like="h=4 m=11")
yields h=9 m=0
